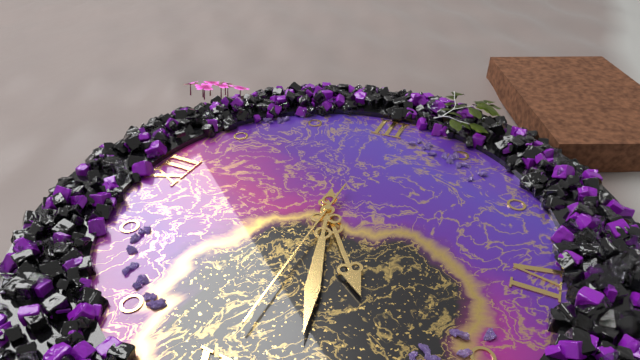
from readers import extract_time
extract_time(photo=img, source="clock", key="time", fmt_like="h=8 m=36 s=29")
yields h=7 m=42 s=45
